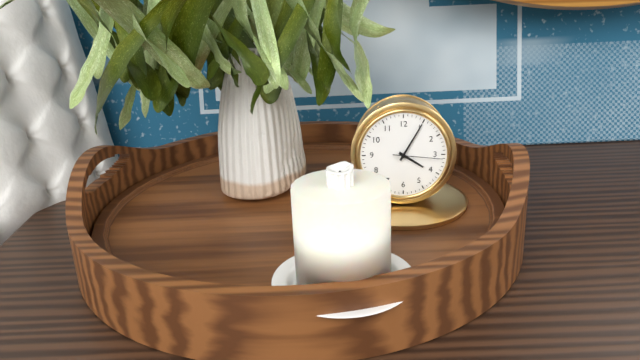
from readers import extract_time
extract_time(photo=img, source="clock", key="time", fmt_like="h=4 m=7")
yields h=4 m=5
